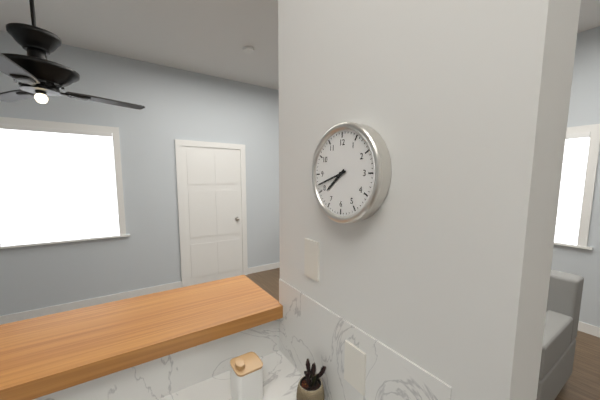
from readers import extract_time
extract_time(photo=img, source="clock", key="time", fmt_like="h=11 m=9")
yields h=7 m=42
